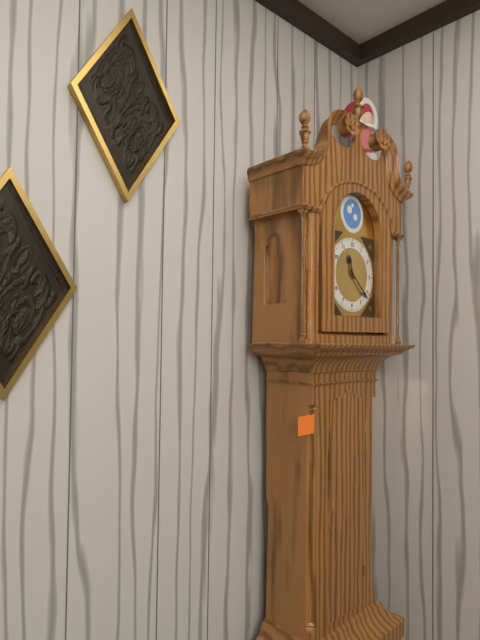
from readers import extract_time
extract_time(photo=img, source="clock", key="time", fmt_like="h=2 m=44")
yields h=11 m=22
